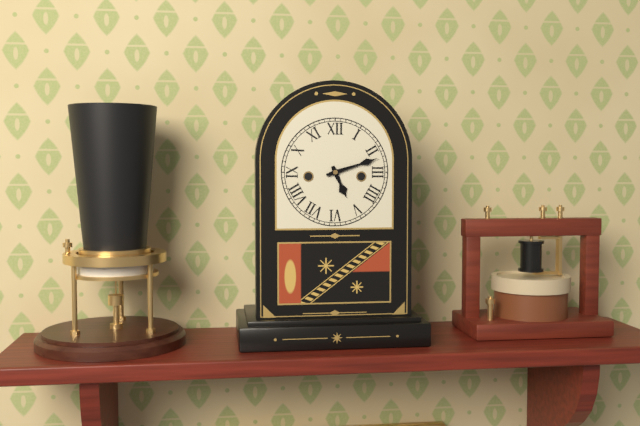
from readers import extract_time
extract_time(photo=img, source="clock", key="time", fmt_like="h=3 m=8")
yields h=5 m=12
